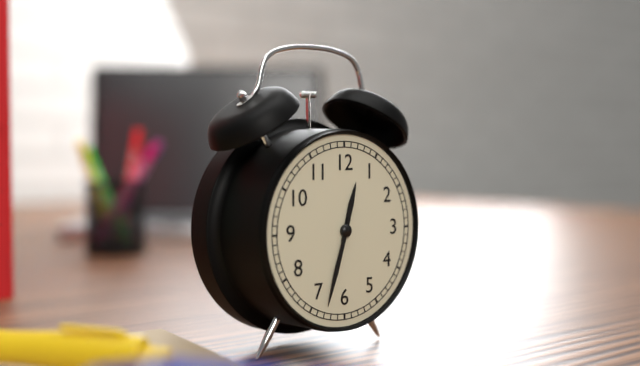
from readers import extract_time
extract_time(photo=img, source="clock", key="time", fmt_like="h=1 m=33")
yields h=12 m=33
